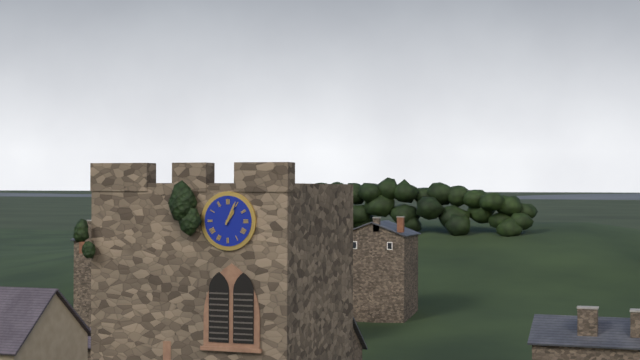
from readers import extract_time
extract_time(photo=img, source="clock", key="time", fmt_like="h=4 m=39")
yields h=1 m=4
